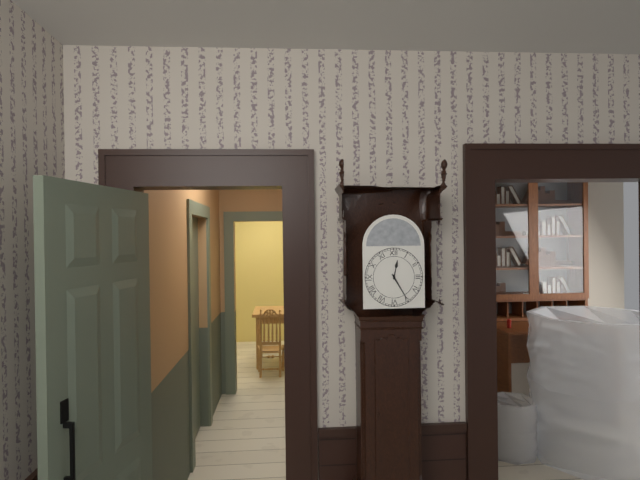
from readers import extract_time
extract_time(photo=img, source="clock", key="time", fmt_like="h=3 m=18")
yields h=12 m=25
